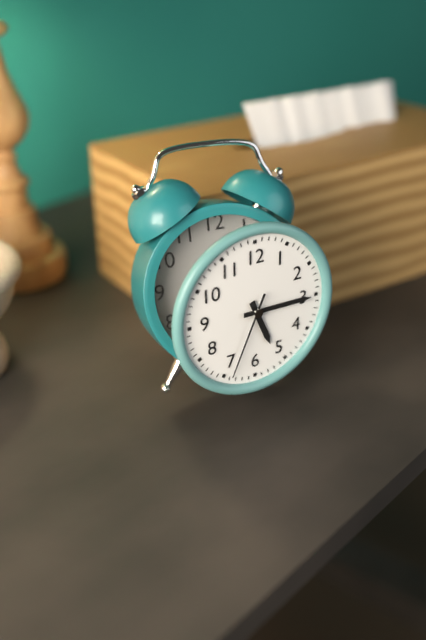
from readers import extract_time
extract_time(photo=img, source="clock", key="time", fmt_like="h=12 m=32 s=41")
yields h=5 m=15 s=34
